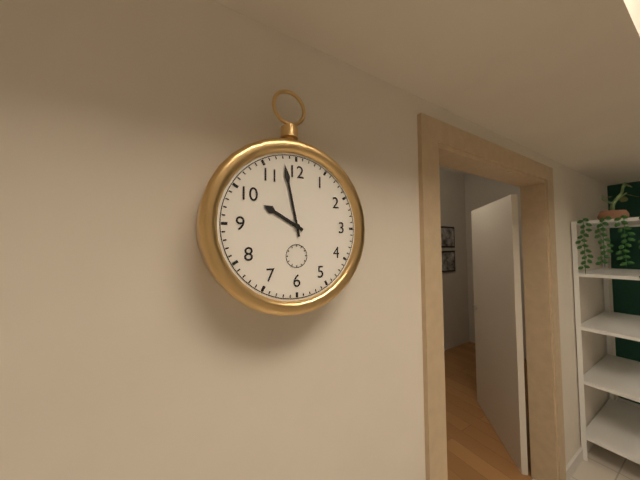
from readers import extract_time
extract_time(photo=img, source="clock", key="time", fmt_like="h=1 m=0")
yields h=9 m=58
